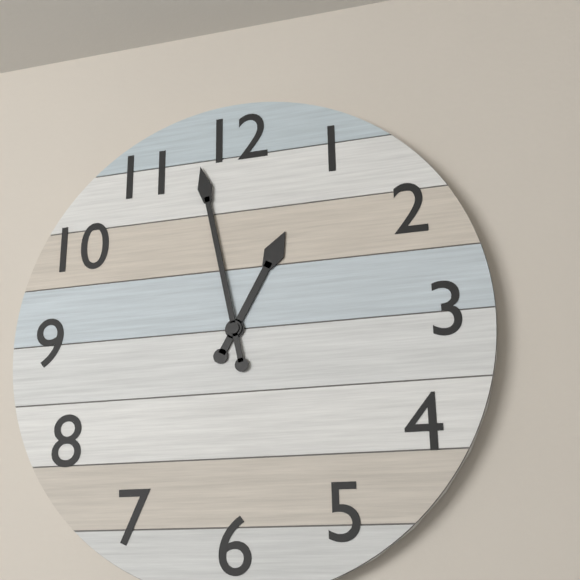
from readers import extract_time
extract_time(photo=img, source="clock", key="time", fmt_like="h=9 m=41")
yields h=12 m=58
